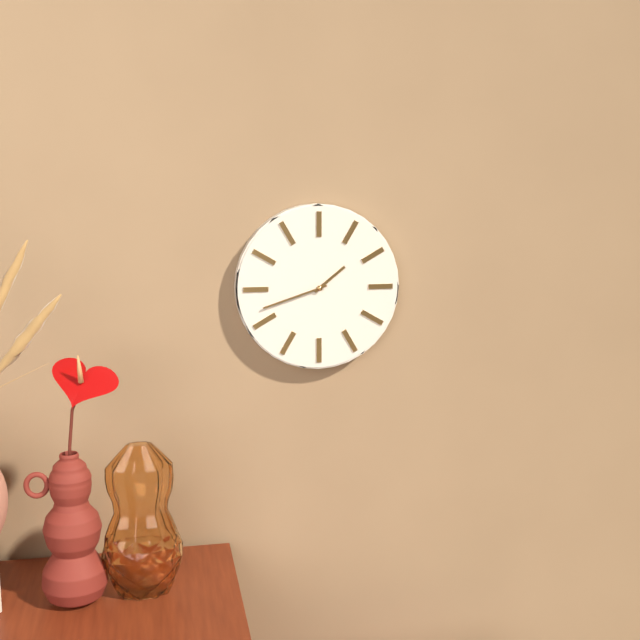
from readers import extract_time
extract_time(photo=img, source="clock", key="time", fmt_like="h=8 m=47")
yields h=1 m=42
